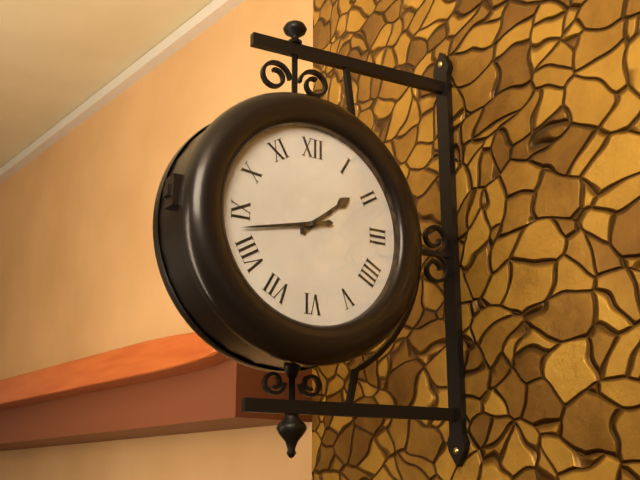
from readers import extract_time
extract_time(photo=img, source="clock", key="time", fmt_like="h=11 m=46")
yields h=1 m=43
